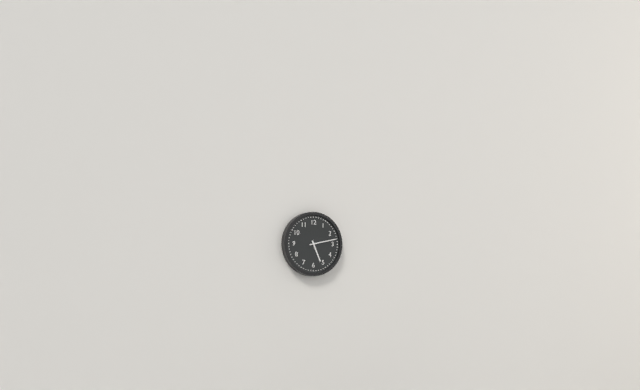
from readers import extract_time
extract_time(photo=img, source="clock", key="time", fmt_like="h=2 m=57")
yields h=5 m=13
